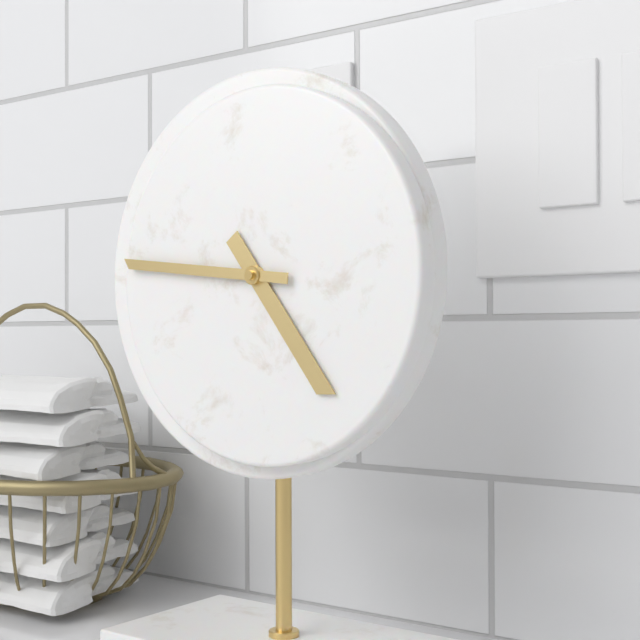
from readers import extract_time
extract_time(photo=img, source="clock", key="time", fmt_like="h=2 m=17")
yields h=4 m=46
